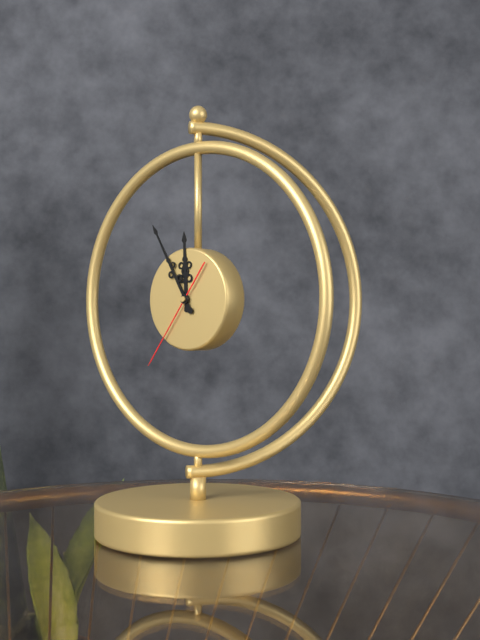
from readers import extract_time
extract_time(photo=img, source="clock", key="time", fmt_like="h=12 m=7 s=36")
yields h=11 m=55 s=36
